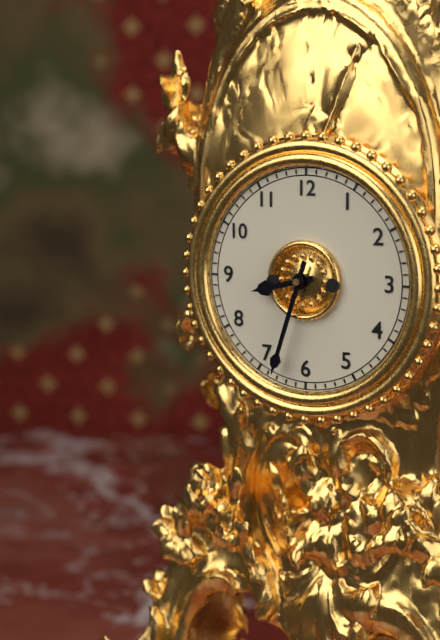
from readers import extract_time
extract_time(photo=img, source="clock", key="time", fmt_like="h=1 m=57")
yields h=8 m=33
